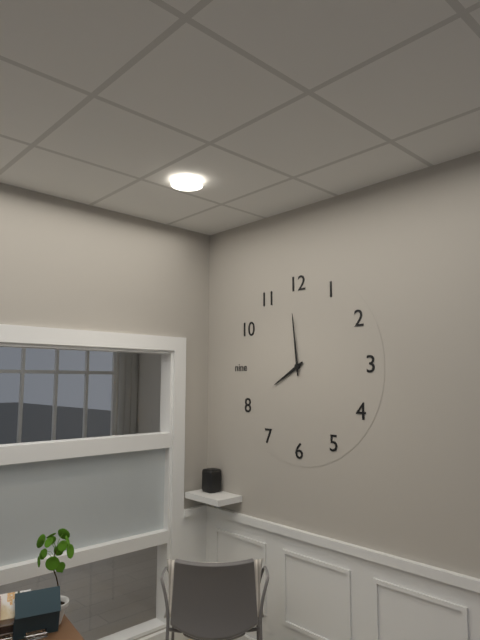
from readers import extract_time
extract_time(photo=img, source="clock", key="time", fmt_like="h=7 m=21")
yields h=7 m=59
